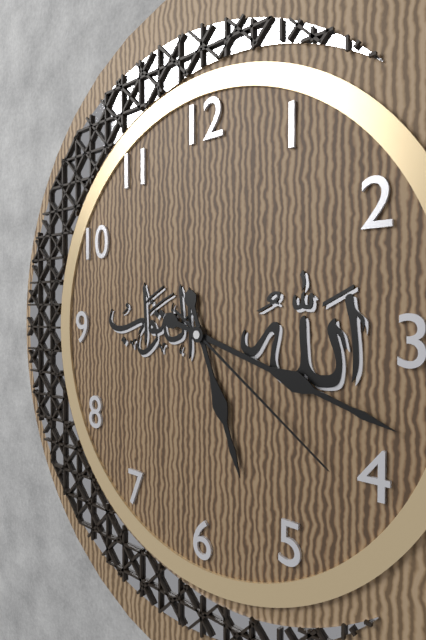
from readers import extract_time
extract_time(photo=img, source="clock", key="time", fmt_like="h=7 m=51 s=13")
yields h=5 m=18 s=21
